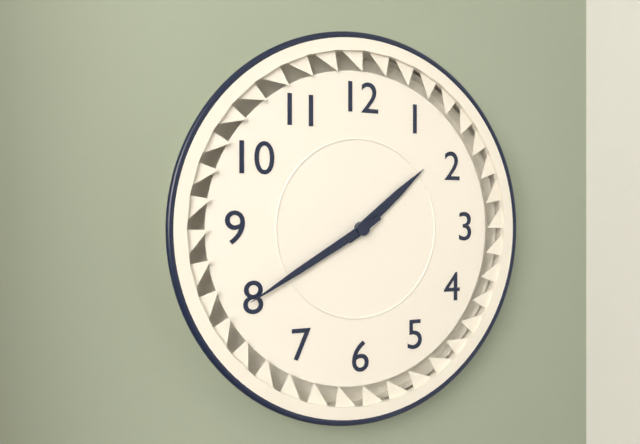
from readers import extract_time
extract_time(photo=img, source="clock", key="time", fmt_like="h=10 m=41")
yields h=1 m=40
